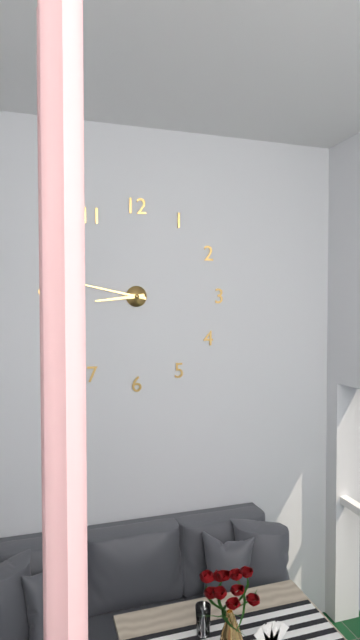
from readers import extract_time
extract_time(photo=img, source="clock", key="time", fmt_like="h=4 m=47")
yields h=8 m=47
